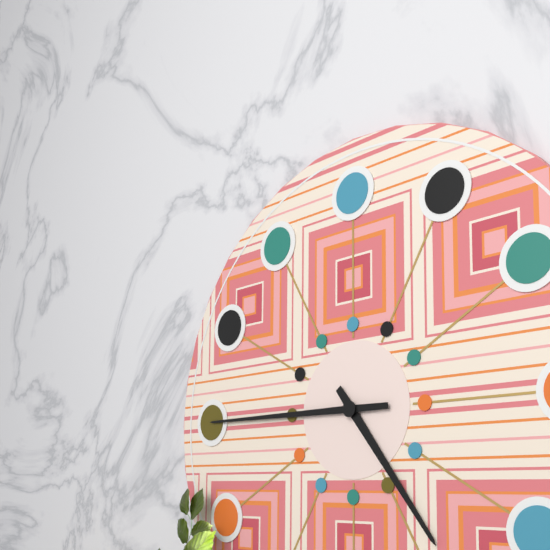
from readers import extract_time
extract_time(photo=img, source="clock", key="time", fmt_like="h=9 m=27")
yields h=4 m=45
